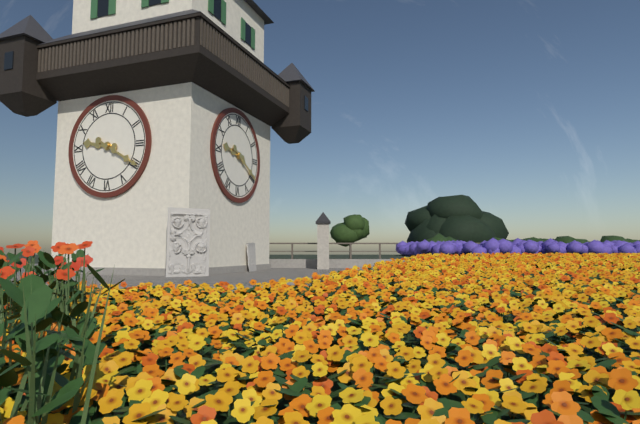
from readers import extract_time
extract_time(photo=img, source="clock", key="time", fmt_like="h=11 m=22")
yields h=9 m=20
